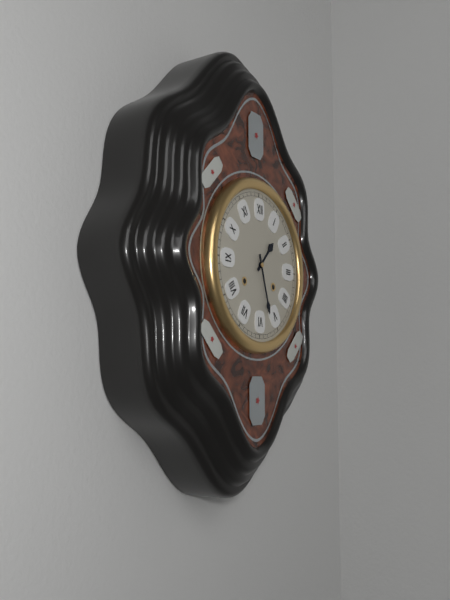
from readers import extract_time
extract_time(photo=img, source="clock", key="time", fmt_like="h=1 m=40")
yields h=1 m=27
